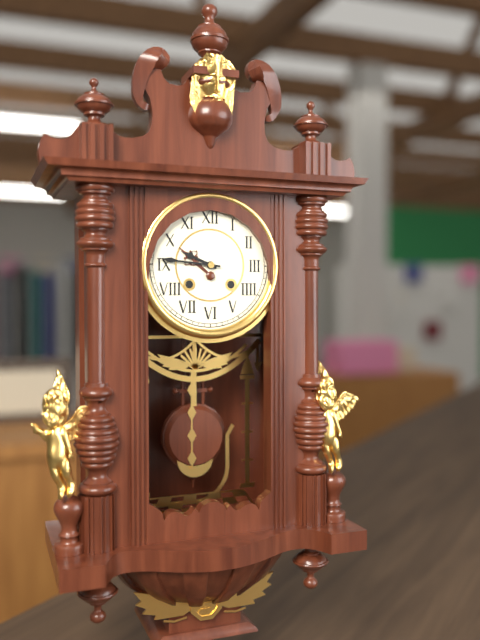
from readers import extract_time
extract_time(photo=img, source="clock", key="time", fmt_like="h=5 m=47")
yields h=9 m=46
